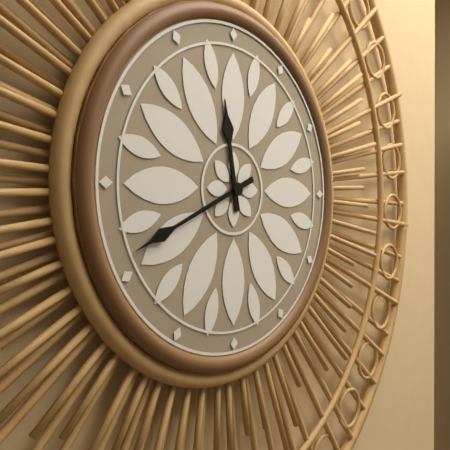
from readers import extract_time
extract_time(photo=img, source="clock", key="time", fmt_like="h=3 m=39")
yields h=11 m=41
